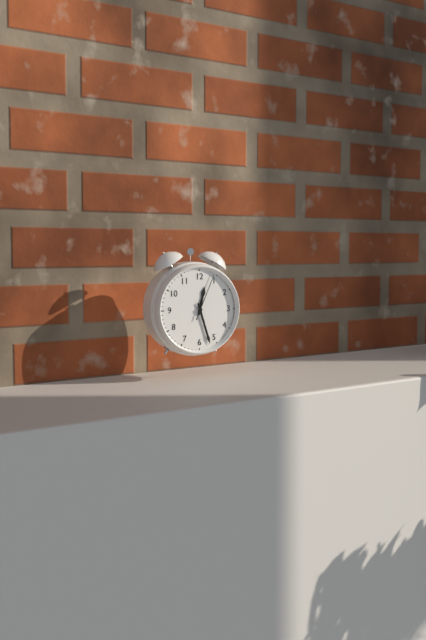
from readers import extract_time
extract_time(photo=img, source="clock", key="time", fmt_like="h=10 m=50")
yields h=12 m=27
